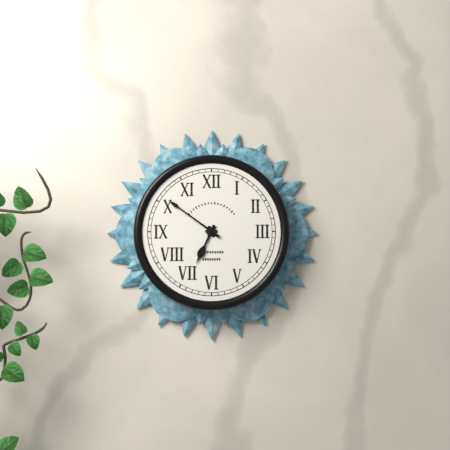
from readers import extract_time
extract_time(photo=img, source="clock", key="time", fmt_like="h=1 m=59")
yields h=6 m=51
